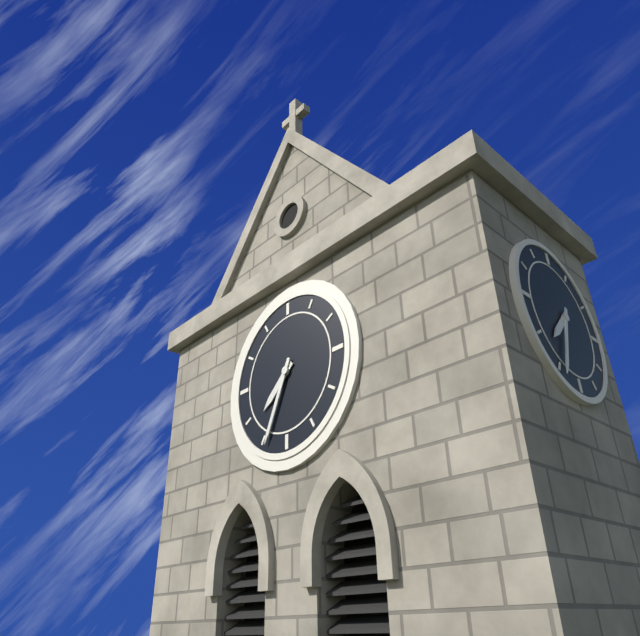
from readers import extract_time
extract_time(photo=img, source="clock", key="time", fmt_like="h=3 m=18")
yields h=7 m=34
